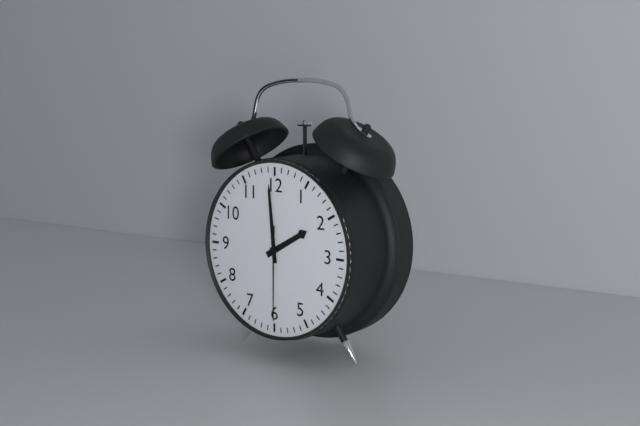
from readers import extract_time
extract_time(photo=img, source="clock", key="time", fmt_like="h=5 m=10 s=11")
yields h=1 m=59 s=30
